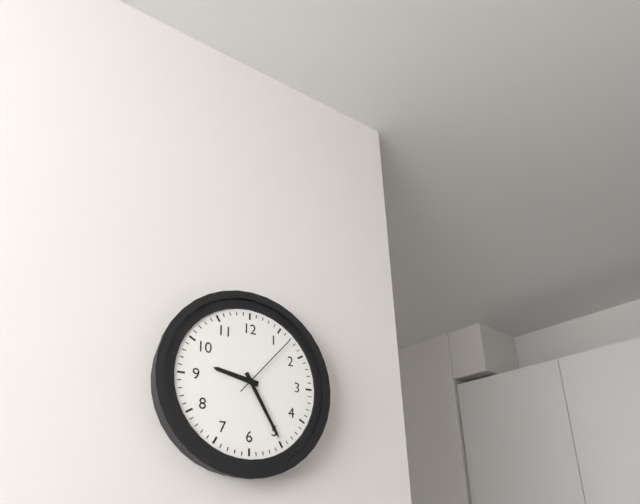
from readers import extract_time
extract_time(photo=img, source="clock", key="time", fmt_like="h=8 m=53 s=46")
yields h=9 m=25 s=7
